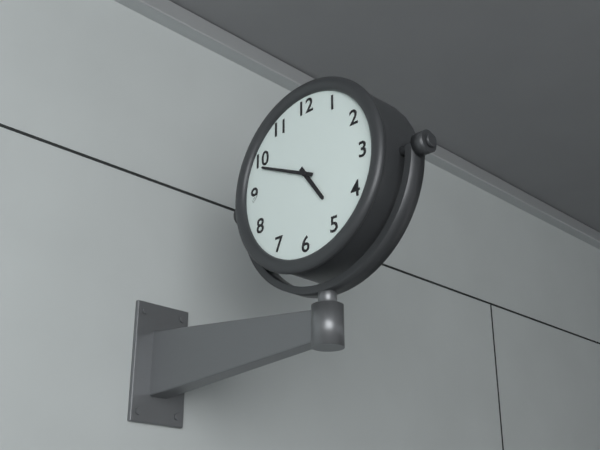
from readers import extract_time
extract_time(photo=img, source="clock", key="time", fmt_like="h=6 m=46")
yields h=4 m=49
